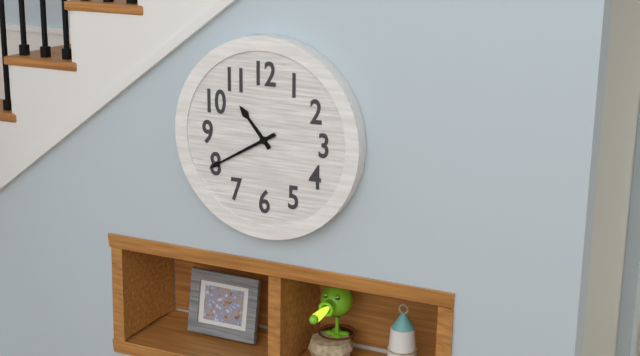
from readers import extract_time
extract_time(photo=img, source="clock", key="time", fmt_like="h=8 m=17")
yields h=10 m=40
